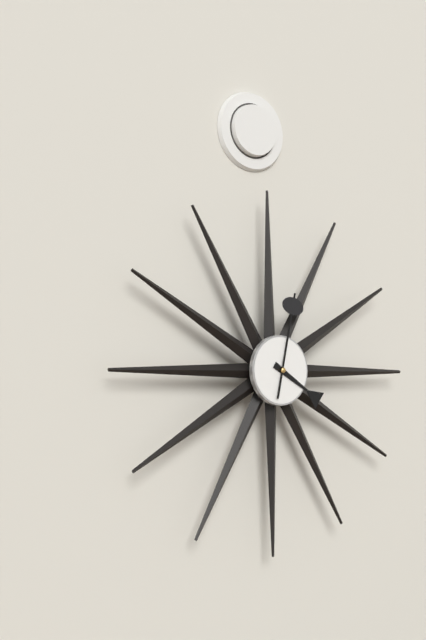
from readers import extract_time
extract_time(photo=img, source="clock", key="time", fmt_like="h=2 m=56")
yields h=4 m=2
